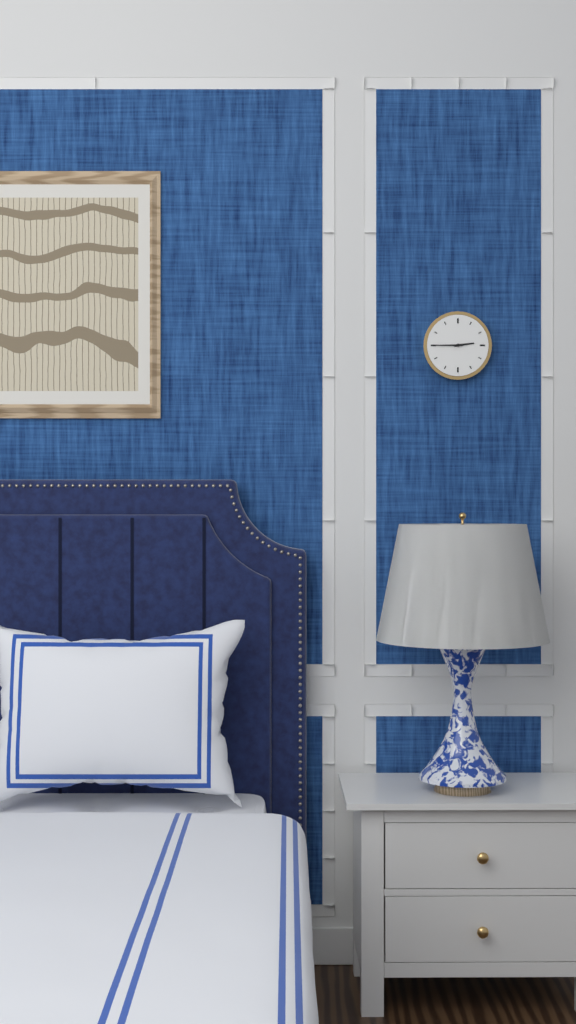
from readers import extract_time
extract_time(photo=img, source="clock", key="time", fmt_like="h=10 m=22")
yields h=2 m=45
